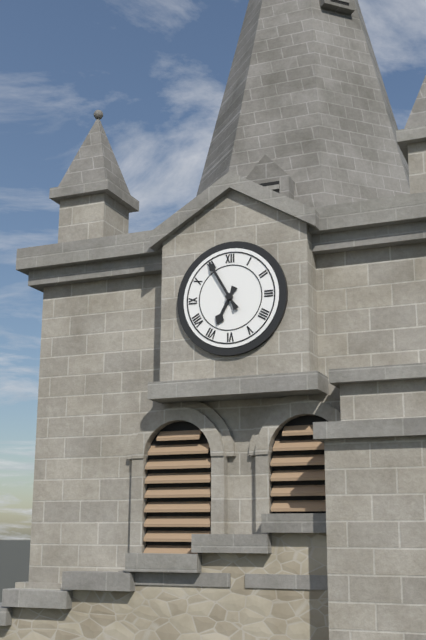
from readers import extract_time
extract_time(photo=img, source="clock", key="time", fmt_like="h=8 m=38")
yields h=6 m=55
